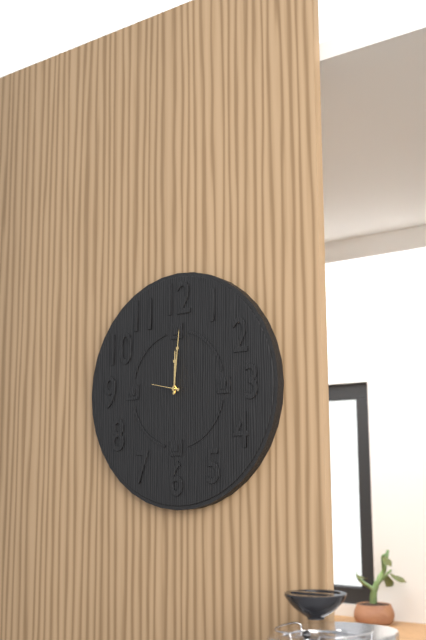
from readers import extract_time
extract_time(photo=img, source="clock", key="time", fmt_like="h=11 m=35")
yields h=12 m=1
